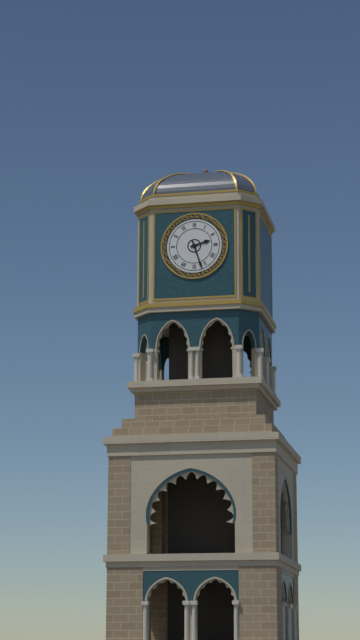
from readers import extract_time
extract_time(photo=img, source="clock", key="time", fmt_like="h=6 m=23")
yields h=2 m=27
